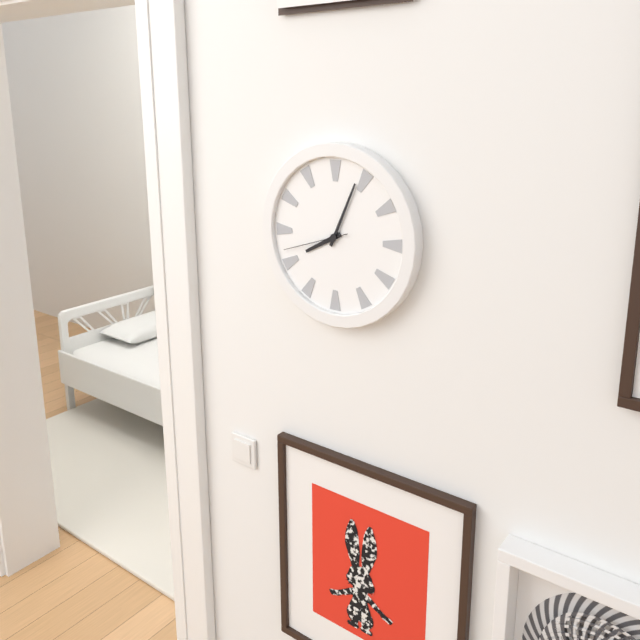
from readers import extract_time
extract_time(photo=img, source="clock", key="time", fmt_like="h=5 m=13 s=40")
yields h=8 m=4 s=42
